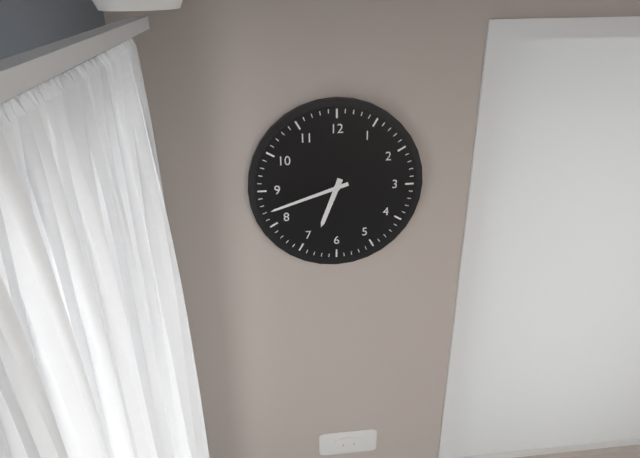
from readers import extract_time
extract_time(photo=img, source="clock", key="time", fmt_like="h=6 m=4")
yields h=6 m=42
